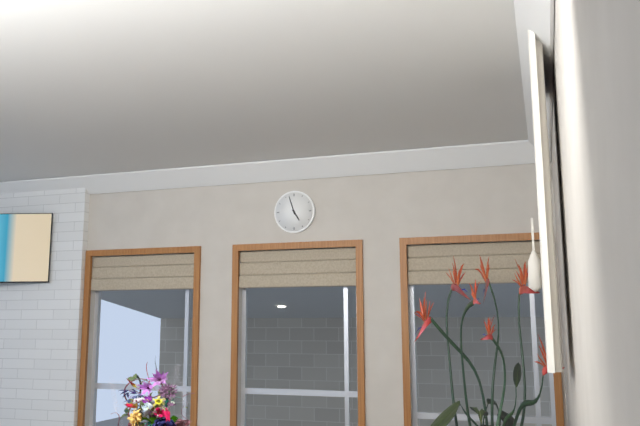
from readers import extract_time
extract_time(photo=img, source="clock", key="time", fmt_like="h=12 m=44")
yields h=4 m=57
